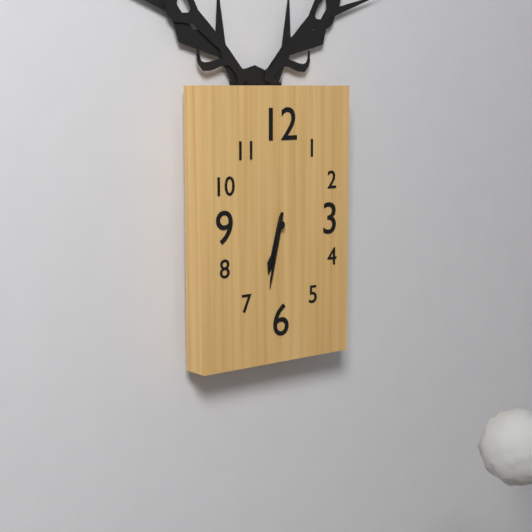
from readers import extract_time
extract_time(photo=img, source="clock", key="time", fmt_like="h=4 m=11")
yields h=6 m=32
